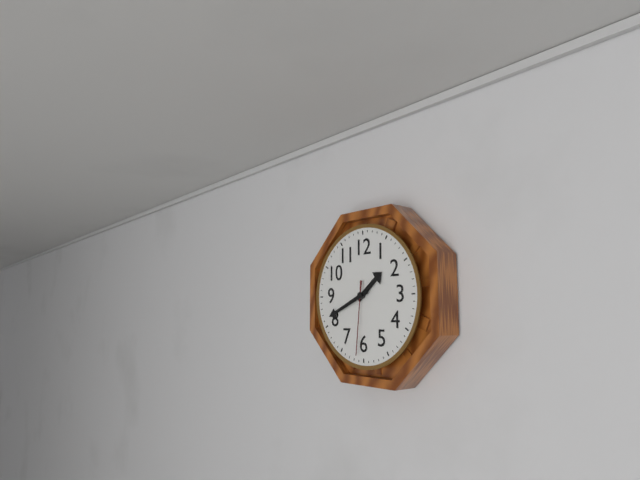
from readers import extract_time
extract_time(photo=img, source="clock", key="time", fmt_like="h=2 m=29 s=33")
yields h=1 m=41 s=31
